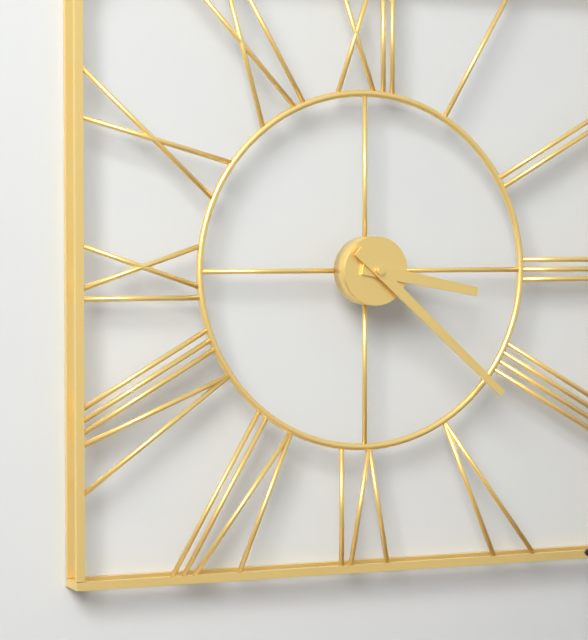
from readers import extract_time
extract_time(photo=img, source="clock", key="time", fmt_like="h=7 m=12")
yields h=3 m=22
